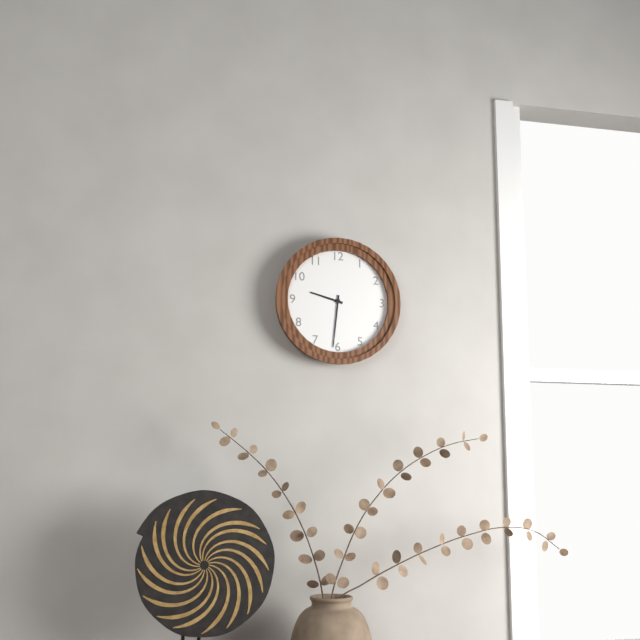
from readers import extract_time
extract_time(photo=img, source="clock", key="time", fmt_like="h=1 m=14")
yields h=9 m=31
